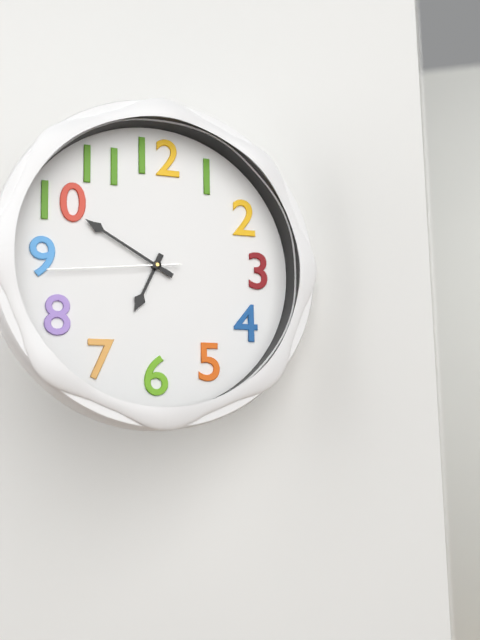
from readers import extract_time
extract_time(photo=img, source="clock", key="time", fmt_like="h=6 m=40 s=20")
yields h=6 m=50 s=44
